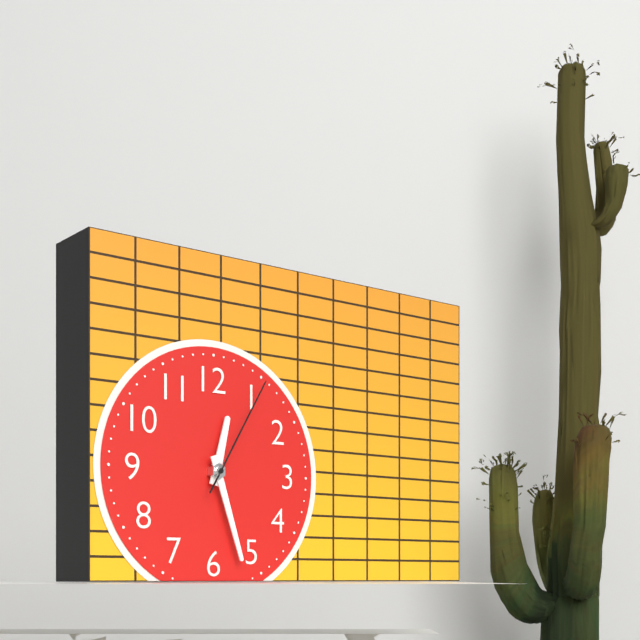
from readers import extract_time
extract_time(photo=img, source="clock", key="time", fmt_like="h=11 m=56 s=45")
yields h=12 m=27 s=5
